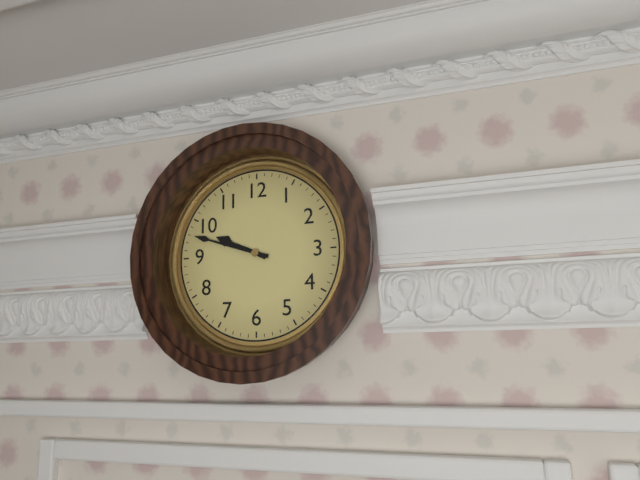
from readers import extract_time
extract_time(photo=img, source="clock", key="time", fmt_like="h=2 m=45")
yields h=9 m=48
